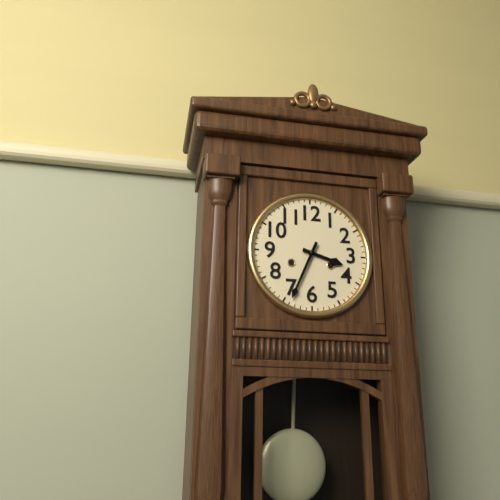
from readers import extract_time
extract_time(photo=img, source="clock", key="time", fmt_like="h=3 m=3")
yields h=3 m=34
